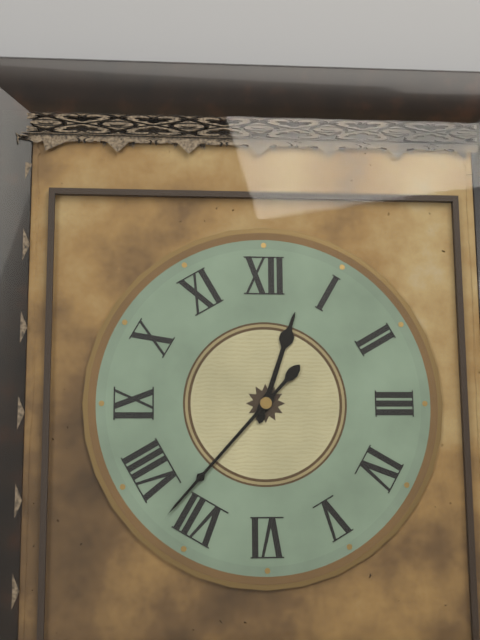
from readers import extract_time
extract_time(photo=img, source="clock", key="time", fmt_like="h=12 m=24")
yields h=12 m=37
